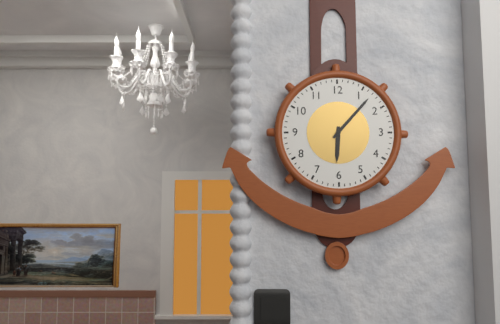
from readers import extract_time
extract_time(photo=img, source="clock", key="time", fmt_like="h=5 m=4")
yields h=6 m=7
